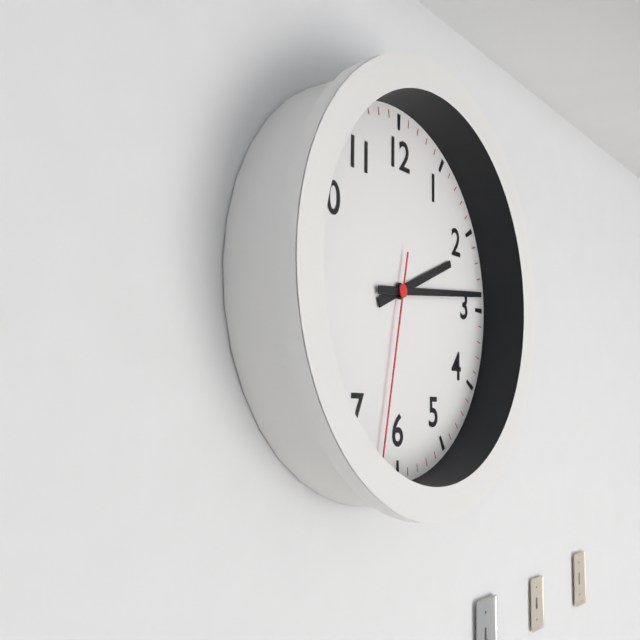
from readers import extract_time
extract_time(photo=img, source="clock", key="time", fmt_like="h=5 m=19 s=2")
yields h=2 m=14 s=32
